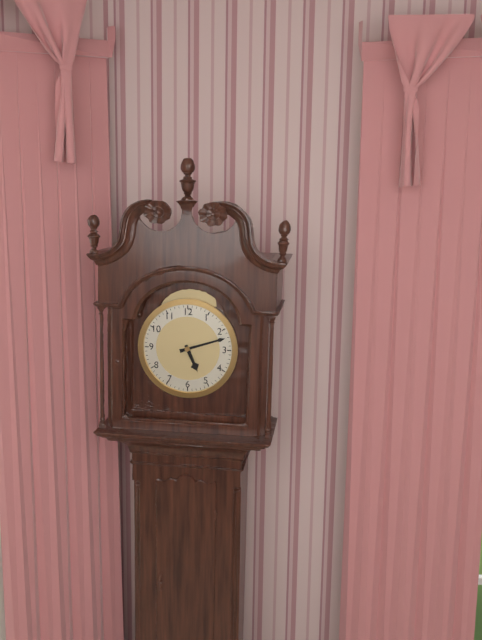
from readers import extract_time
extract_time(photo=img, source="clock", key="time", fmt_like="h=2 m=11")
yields h=5 m=12
